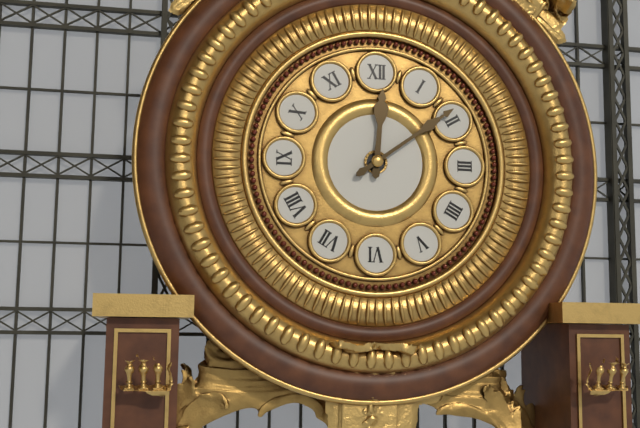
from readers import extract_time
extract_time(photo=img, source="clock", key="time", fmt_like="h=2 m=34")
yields h=12 m=9
